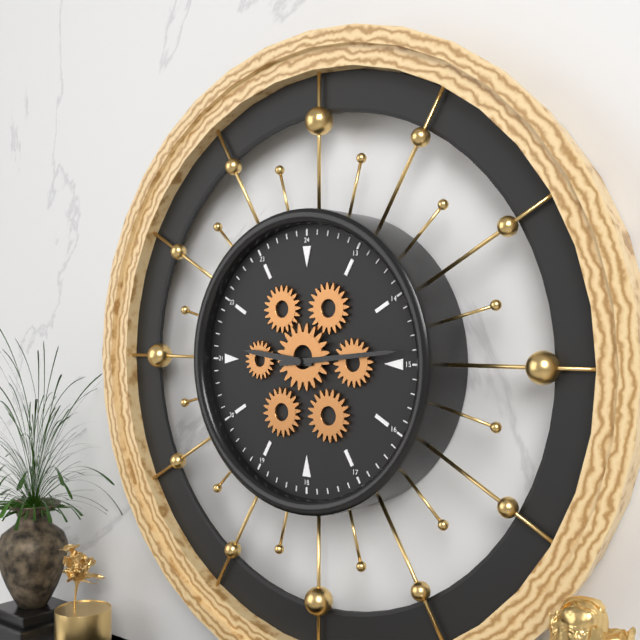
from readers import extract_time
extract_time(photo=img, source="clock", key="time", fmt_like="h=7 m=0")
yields h=9 m=14
